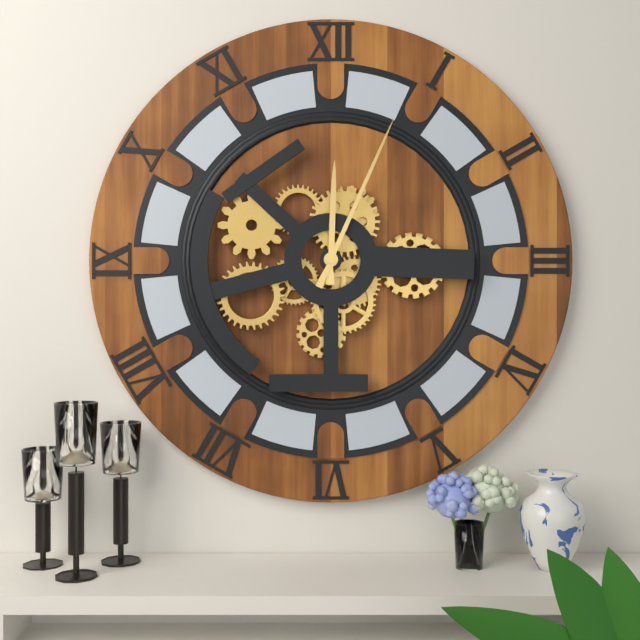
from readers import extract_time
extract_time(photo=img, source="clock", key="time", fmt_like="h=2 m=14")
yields h=12 m=4
